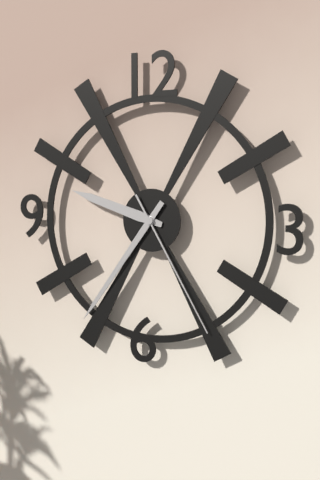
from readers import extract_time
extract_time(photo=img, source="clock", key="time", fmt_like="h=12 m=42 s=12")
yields h=9 m=36 s=25
